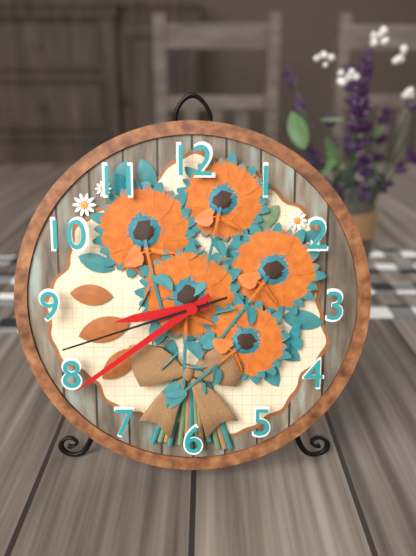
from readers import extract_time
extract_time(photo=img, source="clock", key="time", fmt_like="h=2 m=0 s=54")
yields h=8 m=39 s=42
